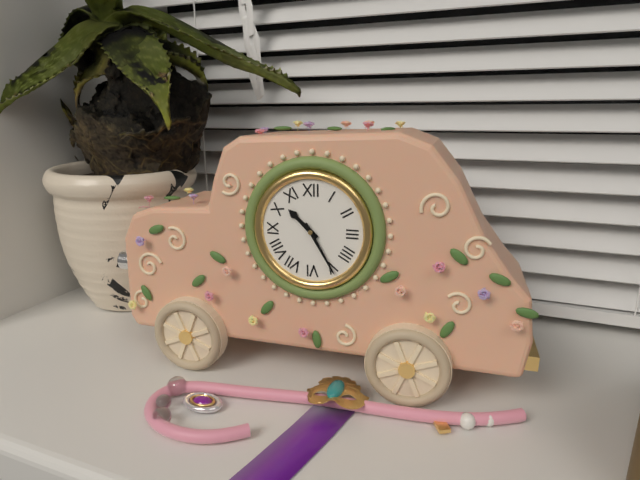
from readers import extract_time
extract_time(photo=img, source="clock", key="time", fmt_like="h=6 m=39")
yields h=10 m=25
